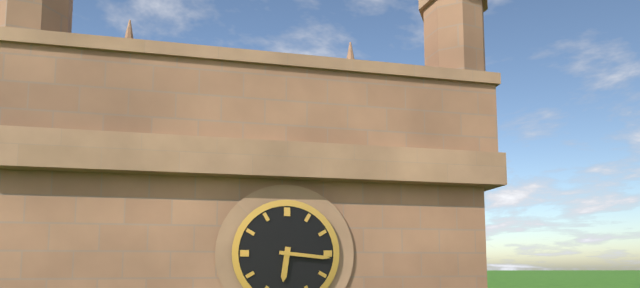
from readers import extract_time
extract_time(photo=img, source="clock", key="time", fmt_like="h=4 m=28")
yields h=6 m=16
